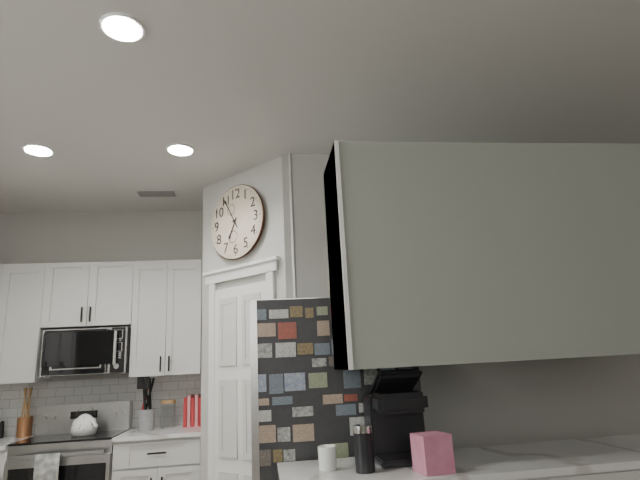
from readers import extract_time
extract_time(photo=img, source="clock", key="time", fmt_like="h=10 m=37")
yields h=6 m=55
